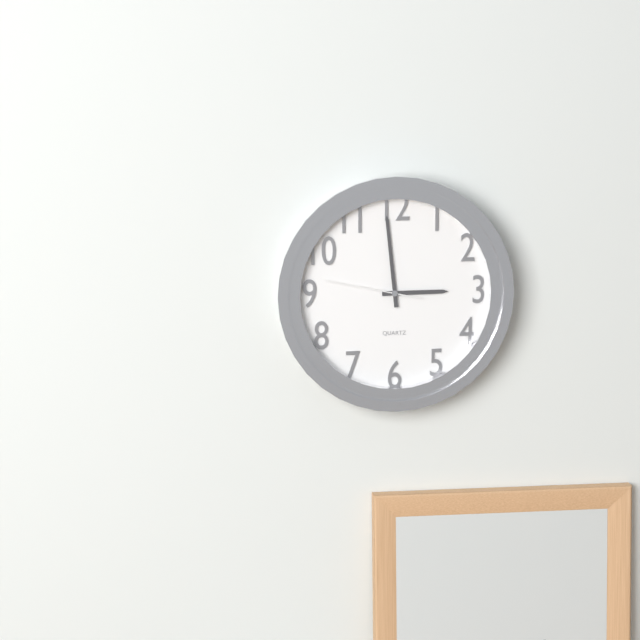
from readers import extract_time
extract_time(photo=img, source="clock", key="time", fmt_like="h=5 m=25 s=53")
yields h=2 m=59 s=47
